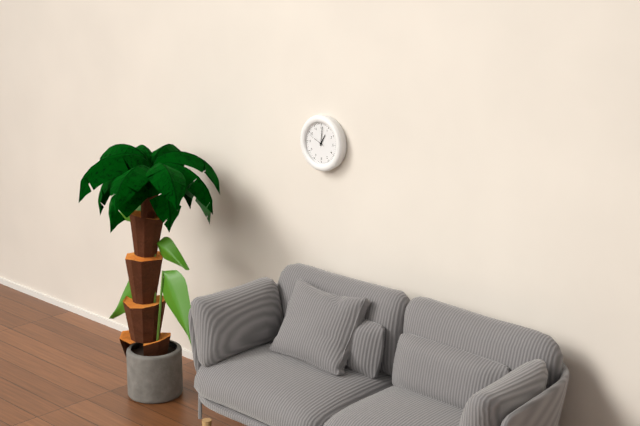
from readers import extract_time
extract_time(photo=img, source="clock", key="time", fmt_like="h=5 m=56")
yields h=1 m=1
